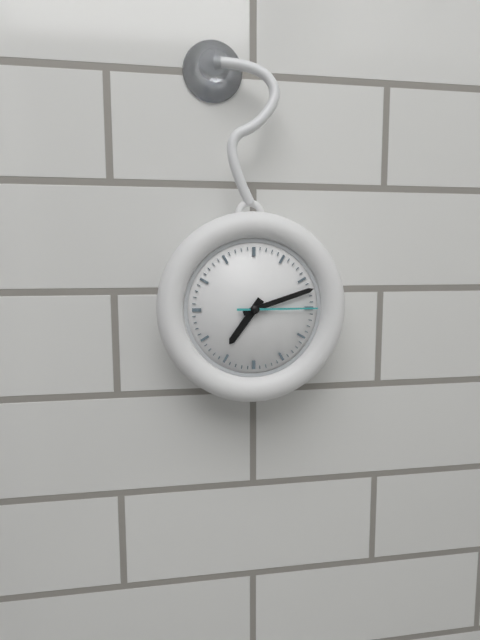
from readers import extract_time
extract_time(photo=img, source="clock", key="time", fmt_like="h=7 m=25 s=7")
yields h=7 m=12 s=15
